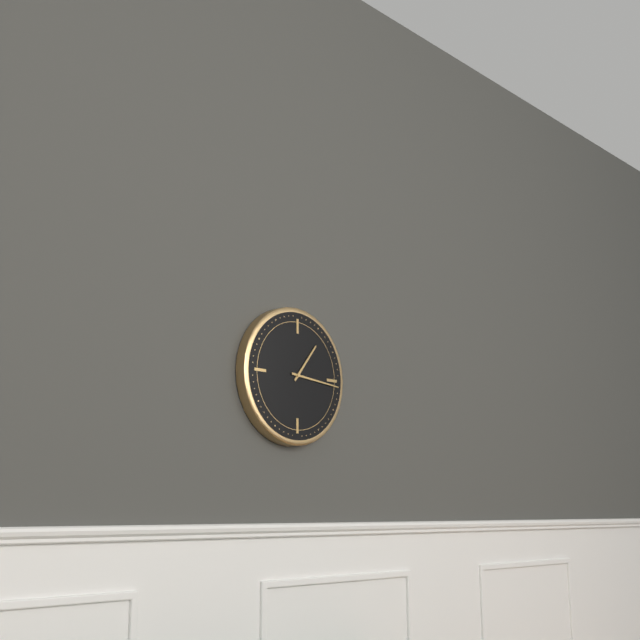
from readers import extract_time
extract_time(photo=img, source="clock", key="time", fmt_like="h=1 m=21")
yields h=1 m=16
